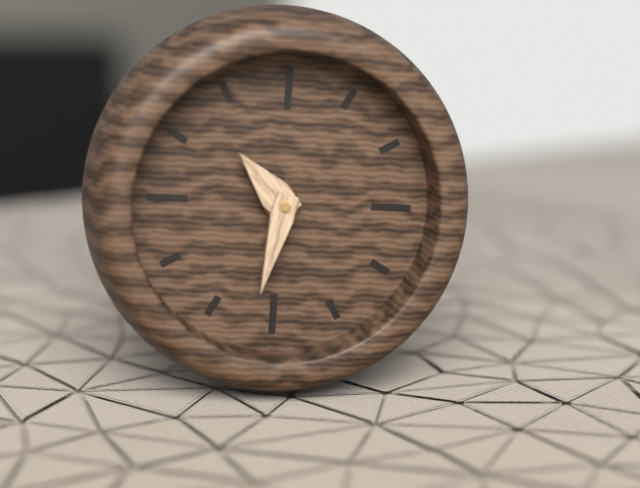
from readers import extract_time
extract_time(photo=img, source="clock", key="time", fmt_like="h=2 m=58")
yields h=10 m=32
